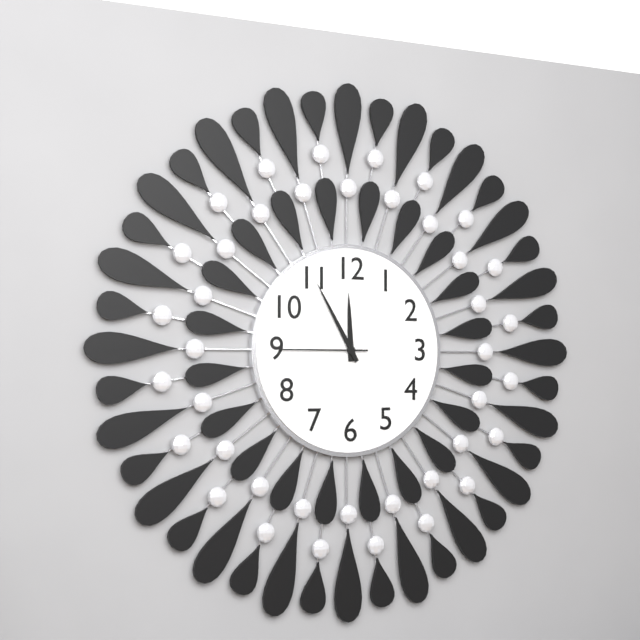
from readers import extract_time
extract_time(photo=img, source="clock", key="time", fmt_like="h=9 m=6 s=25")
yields h=11 m=55 s=45
